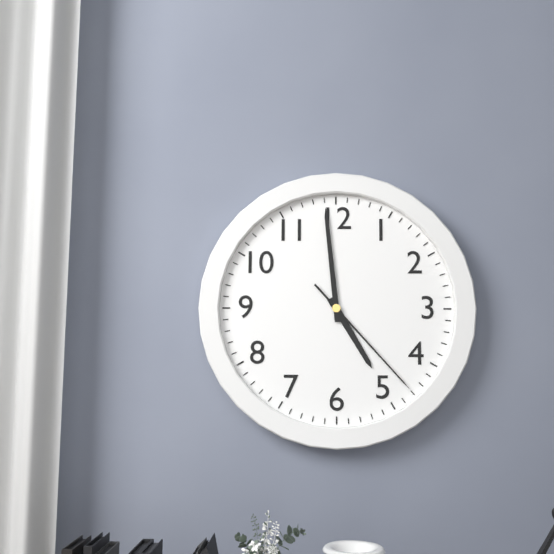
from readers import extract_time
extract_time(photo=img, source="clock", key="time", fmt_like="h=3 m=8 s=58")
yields h=4 m=59 s=23
